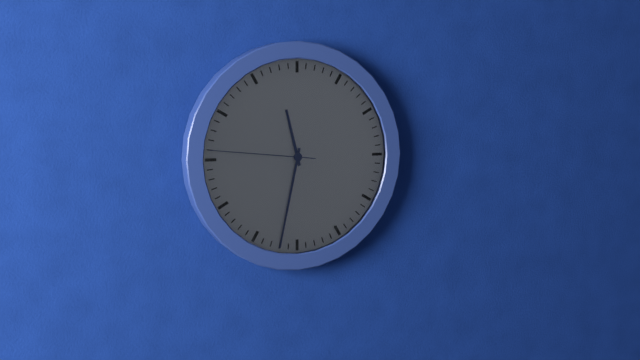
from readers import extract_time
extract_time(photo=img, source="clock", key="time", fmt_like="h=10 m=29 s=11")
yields h=11 m=32 s=46
